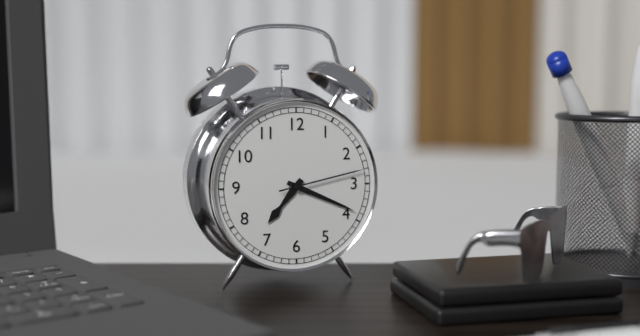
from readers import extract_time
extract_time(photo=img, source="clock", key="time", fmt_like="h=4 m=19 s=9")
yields h=7 m=19 s=13
